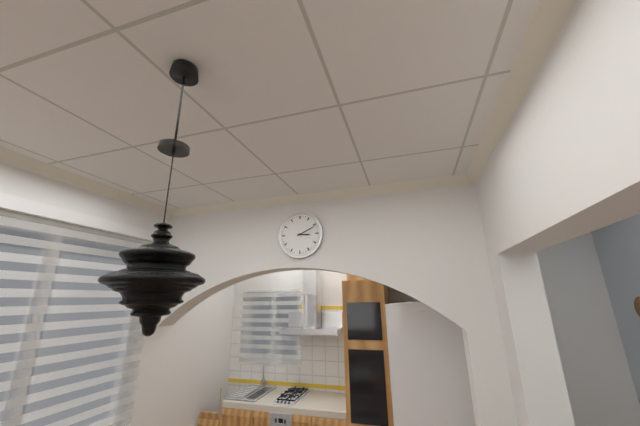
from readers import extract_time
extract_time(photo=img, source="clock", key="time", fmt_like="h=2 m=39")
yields h=3 m=11
